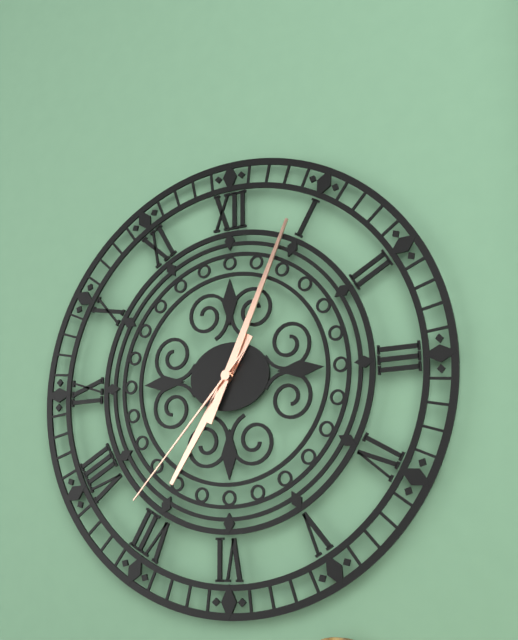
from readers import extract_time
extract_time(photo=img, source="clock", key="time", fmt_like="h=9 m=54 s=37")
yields h=7 m=4 s=37
